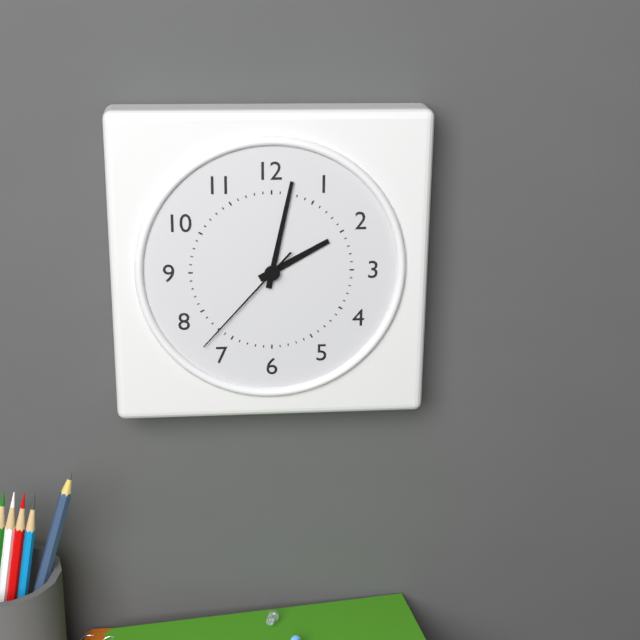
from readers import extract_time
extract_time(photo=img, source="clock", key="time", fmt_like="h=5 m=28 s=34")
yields h=2 m=2 s=37
